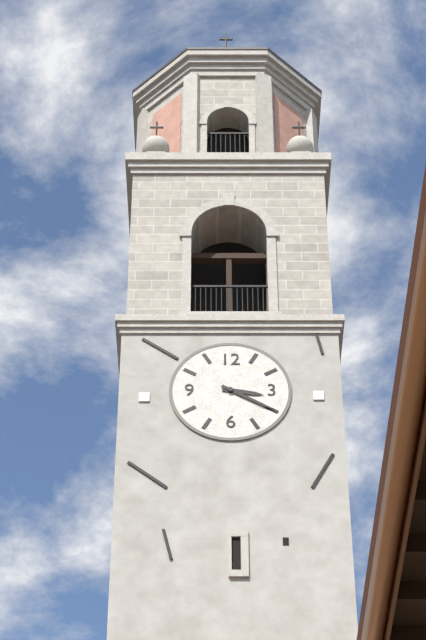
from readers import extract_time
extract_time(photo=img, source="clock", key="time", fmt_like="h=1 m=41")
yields h=3 m=20
